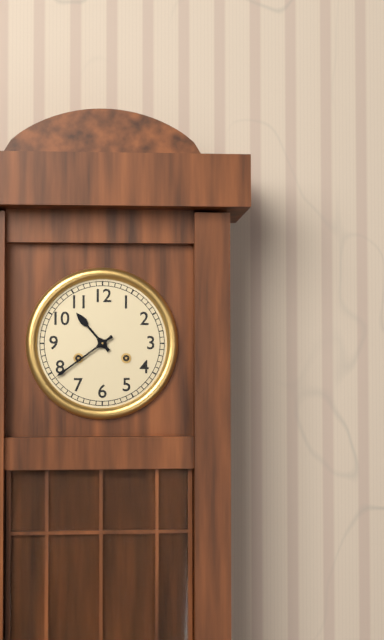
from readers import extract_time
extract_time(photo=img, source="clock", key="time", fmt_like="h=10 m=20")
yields h=10 m=39
